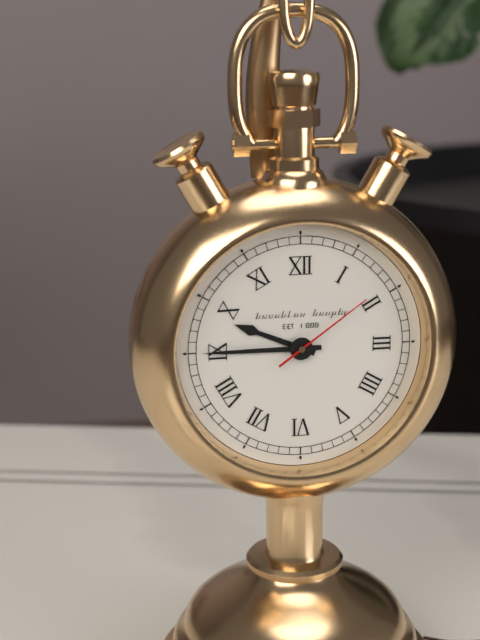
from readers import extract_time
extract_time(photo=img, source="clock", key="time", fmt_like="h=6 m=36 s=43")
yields h=9 m=45 s=9
